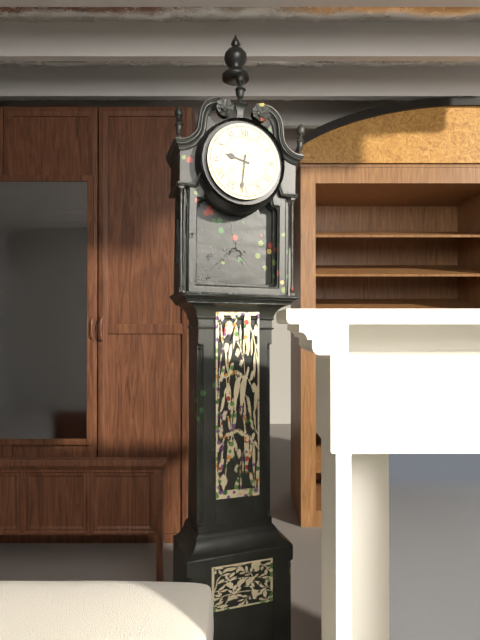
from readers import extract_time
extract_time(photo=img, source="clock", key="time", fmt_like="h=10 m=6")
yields h=9 m=31
